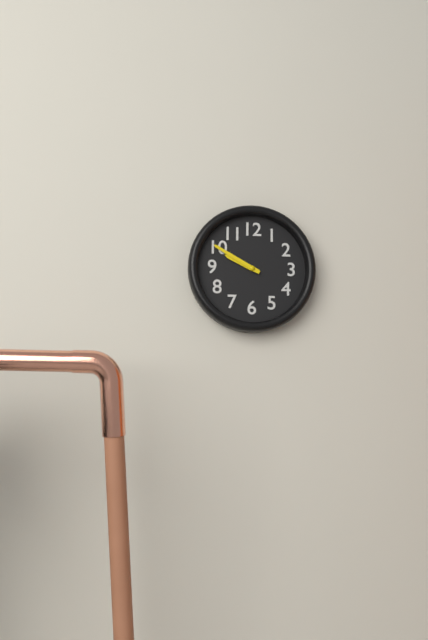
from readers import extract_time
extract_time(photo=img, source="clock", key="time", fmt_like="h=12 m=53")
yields h=9 m=50
